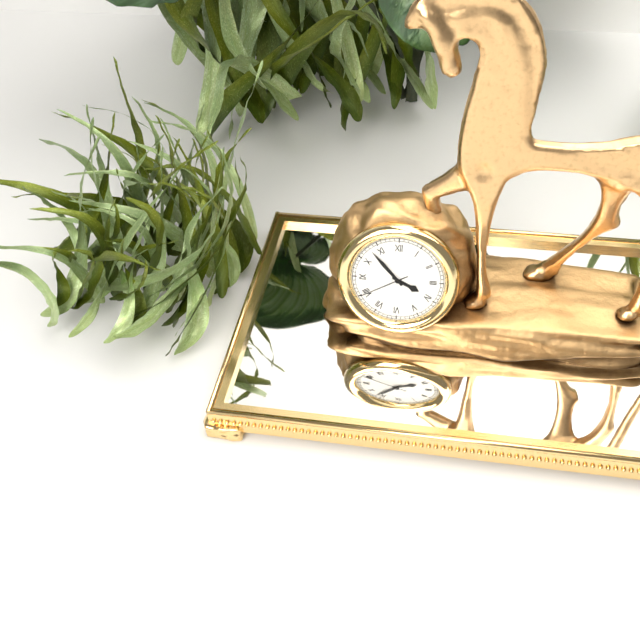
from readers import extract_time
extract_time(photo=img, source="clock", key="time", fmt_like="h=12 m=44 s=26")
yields h=3 m=53 s=40
